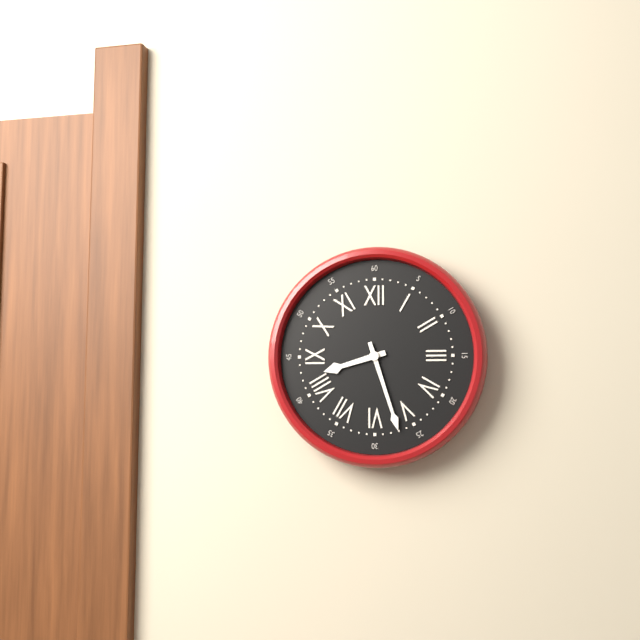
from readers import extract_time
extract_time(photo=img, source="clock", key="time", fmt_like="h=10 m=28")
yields h=8 m=27
